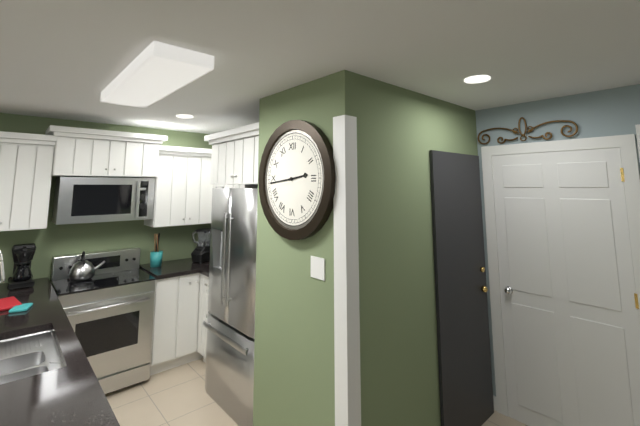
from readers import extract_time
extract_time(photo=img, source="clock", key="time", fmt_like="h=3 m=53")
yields h=2 m=44
